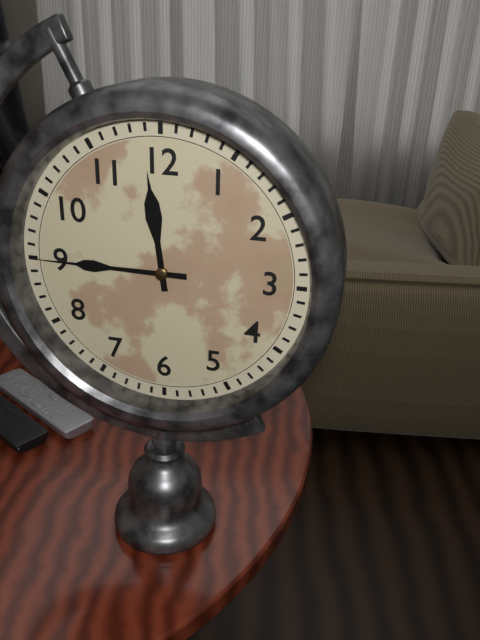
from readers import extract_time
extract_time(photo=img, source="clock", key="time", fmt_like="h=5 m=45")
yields h=11 m=45
